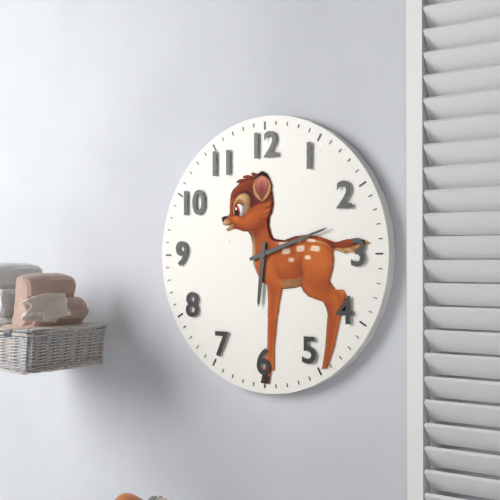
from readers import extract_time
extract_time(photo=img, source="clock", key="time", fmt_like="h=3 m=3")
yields h=6 m=12
